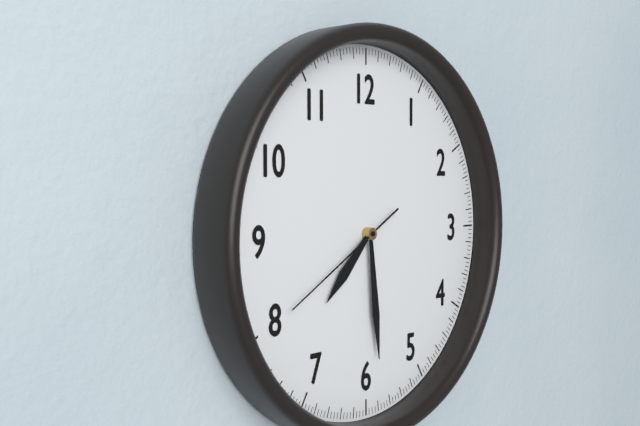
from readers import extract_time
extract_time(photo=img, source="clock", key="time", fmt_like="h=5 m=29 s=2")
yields h=7 m=29 s=40
